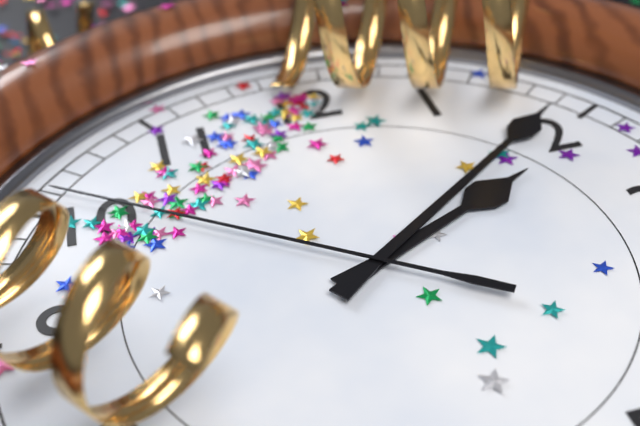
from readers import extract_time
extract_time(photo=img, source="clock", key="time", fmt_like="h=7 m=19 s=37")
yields h=2 m=9 s=51
